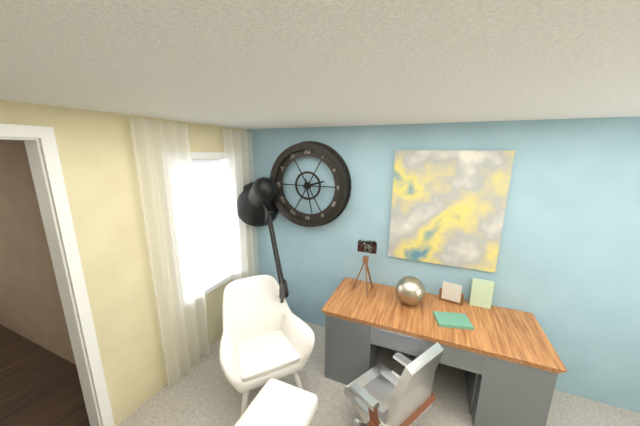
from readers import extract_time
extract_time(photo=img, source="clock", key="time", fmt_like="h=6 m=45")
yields h=2 m=28
